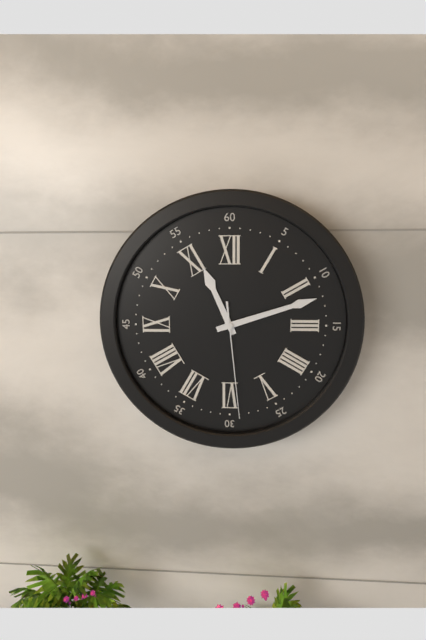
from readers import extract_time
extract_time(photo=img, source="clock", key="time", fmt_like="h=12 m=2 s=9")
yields h=11 m=12 s=29
